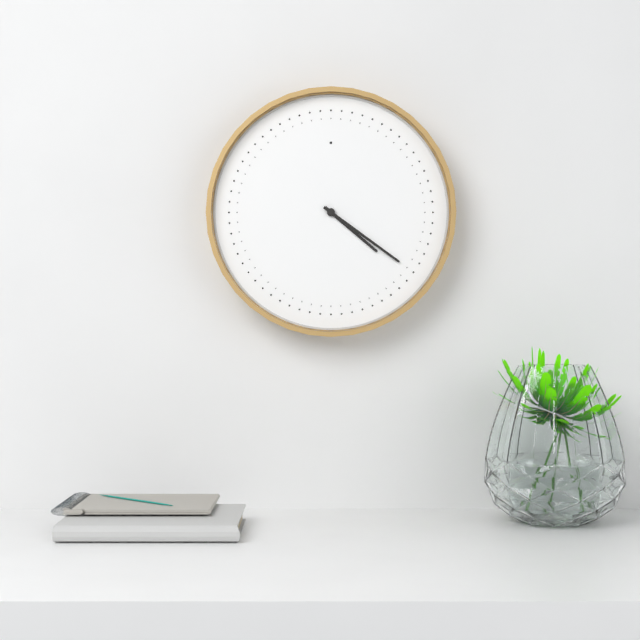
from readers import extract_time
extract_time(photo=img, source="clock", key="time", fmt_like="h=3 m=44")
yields h=4 m=21
